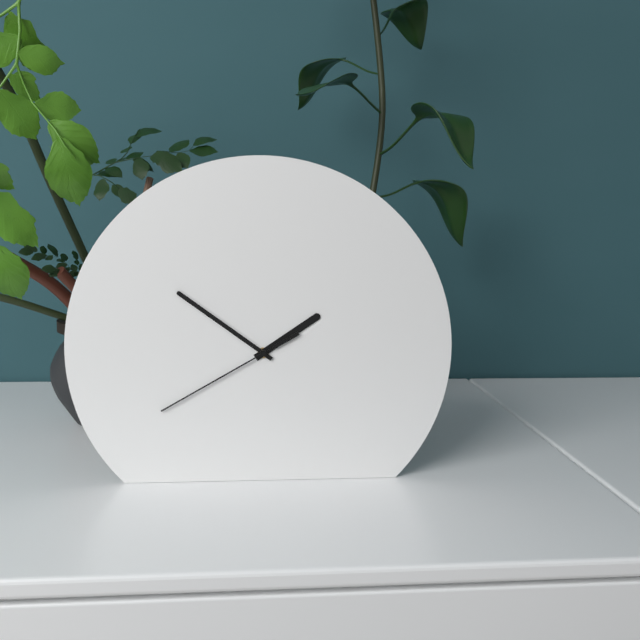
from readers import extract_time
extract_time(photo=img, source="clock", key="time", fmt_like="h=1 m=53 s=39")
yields h=1 m=51 s=40
